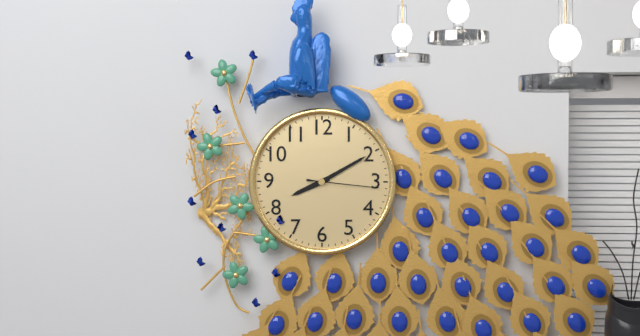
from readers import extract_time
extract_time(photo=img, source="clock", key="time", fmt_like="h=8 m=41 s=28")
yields h=8 m=10 s=16
